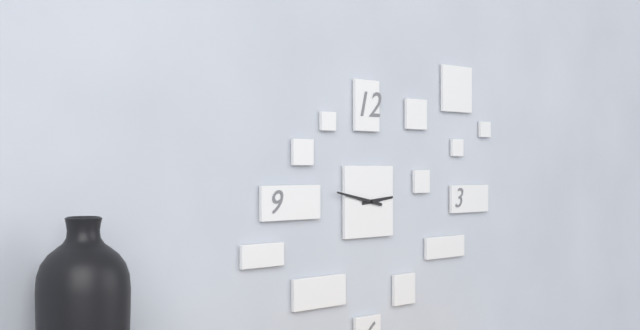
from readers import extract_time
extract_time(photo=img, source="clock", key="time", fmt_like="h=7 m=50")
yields h=2 m=47
